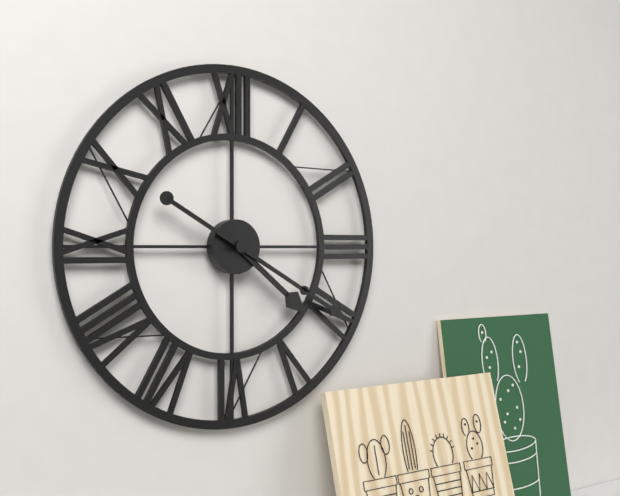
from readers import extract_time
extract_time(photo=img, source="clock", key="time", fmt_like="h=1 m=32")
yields h=4 m=20
